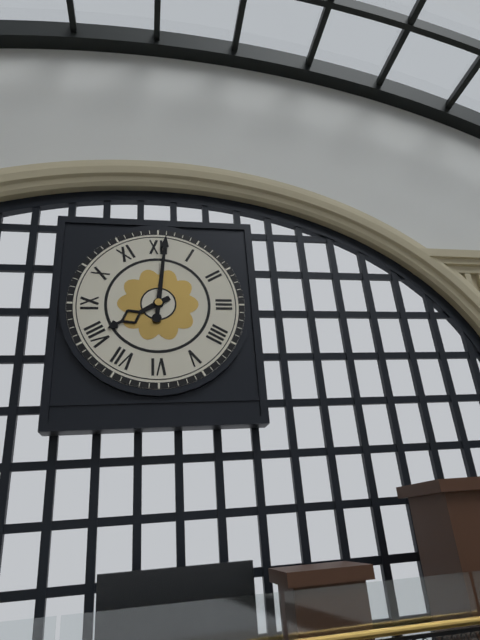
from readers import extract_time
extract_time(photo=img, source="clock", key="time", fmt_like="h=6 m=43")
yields h=8 m=1
